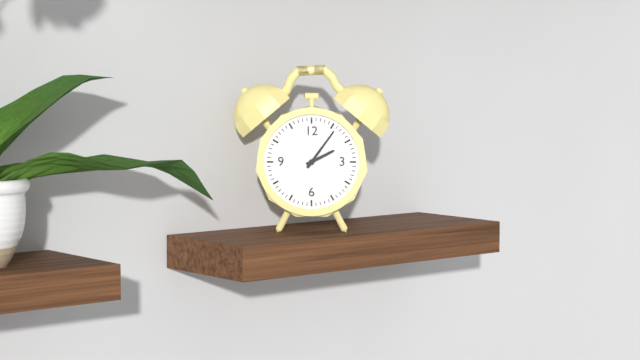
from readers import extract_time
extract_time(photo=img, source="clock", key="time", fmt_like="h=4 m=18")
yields h=2 m=6
